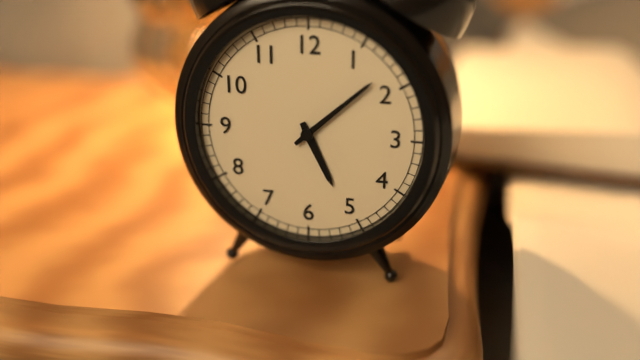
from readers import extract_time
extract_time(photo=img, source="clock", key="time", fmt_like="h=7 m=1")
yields h=5 m=8
